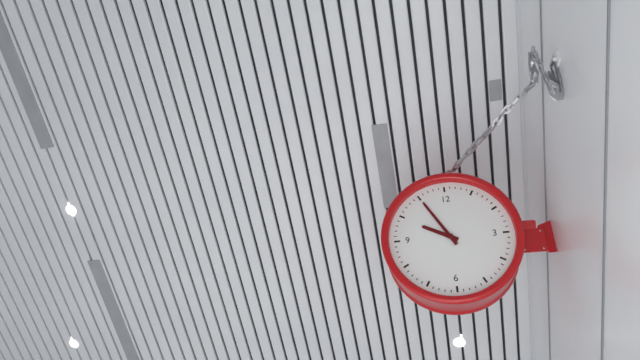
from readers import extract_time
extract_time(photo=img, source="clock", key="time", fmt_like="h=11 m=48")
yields h=9 m=55
